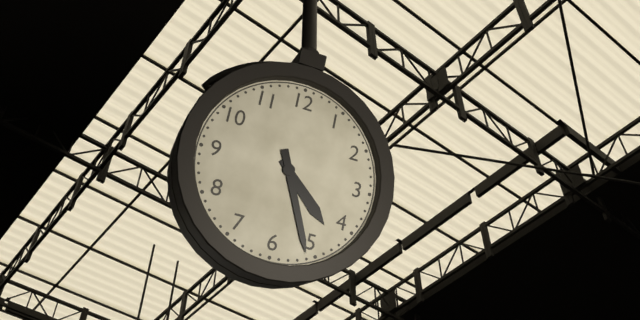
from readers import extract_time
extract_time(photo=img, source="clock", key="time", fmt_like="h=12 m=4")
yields h=4 m=26
